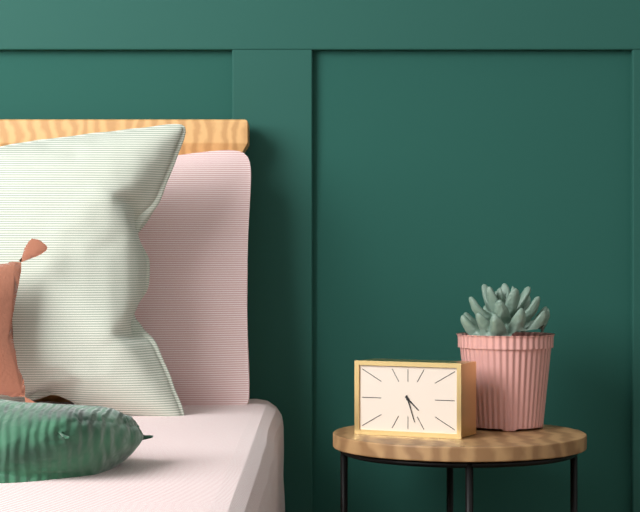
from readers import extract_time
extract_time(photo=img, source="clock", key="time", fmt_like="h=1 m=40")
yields h=4 m=27
